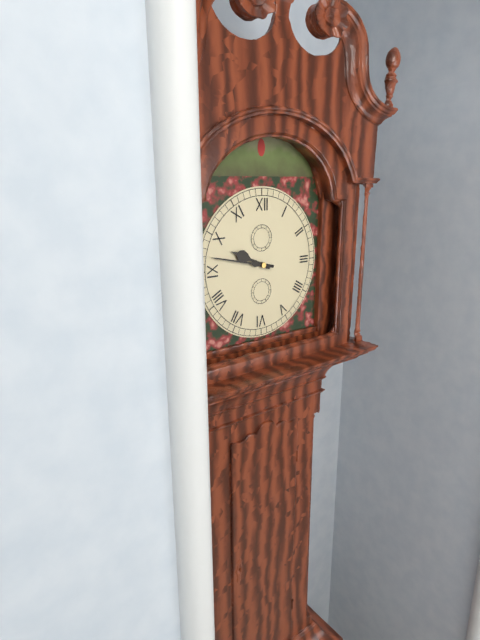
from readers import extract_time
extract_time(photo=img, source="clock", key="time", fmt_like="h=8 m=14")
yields h=9 m=47
